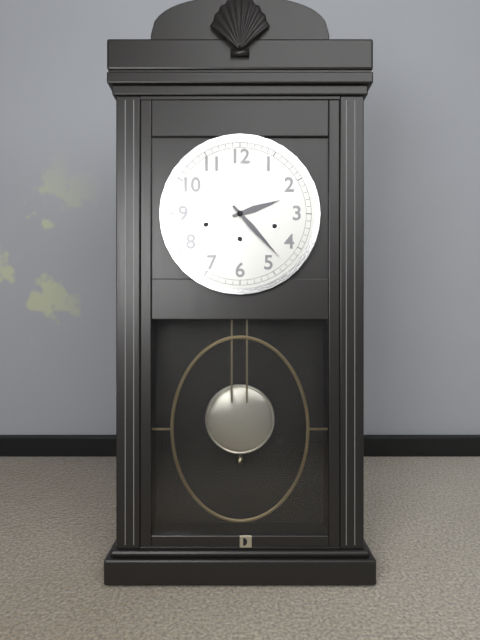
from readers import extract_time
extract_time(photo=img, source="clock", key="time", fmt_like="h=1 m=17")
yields h=2 m=23
